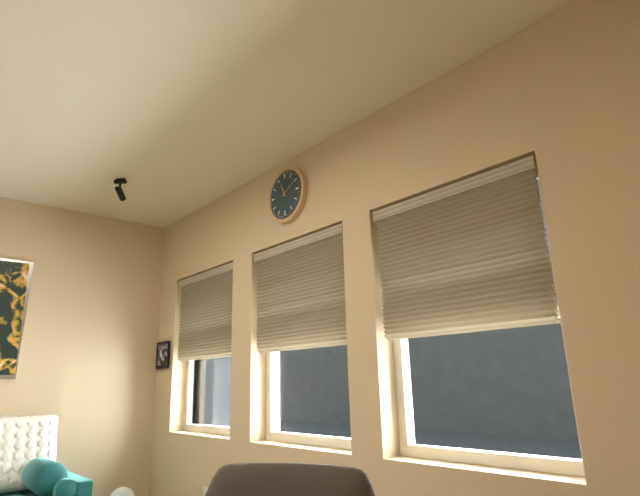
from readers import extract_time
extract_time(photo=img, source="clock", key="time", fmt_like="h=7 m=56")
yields h=11 m=10
